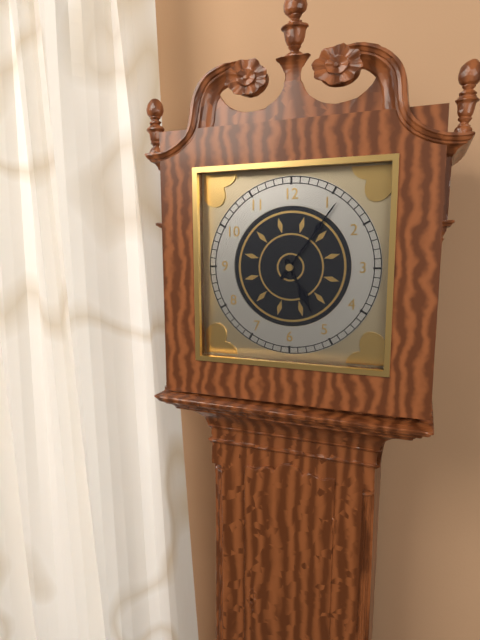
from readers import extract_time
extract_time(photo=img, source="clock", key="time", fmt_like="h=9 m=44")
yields h=5 m=6
